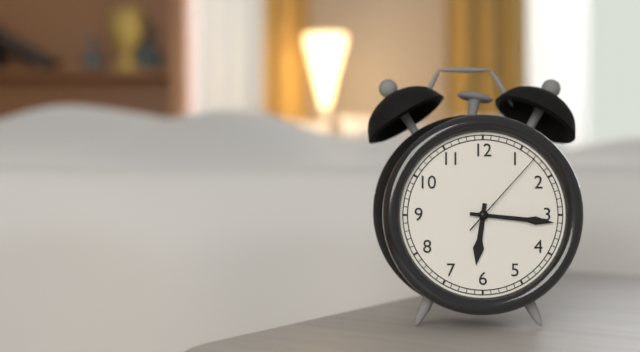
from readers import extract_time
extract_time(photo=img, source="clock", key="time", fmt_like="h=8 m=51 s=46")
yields h=6 m=16 s=7
